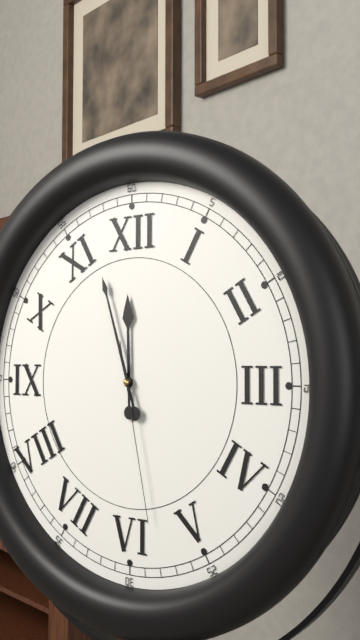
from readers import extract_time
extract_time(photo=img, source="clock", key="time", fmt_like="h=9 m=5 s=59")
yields h=11 m=57 s=28
